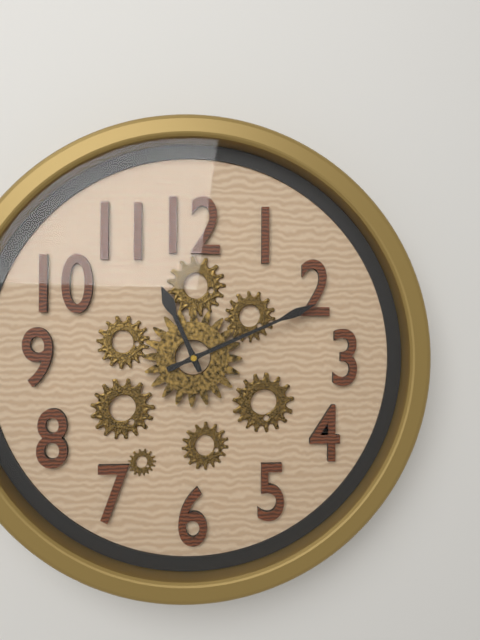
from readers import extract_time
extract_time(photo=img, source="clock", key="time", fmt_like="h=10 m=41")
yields h=11 m=11
